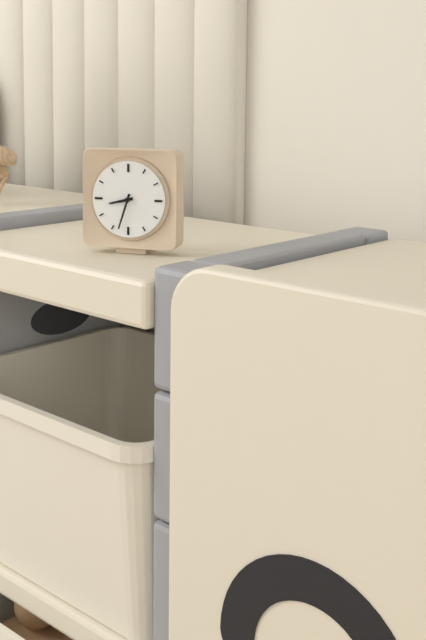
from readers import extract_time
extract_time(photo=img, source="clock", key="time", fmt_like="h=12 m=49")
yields h=8 m=33
